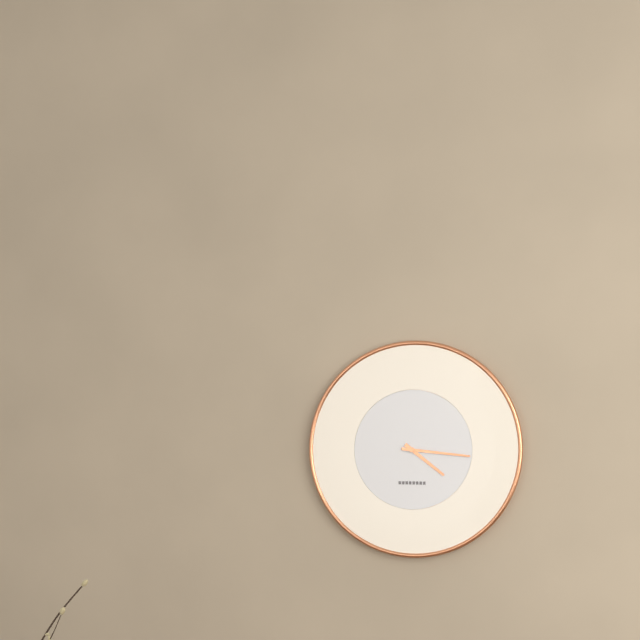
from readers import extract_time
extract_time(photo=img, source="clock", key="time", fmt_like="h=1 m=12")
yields h=4 m=16
